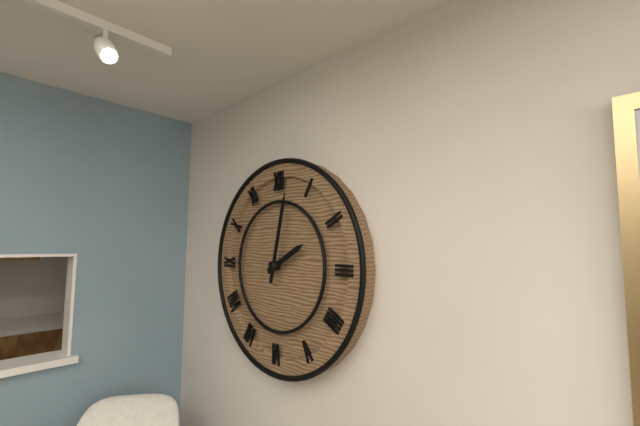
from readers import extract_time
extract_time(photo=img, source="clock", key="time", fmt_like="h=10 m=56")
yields h=2 m=2
